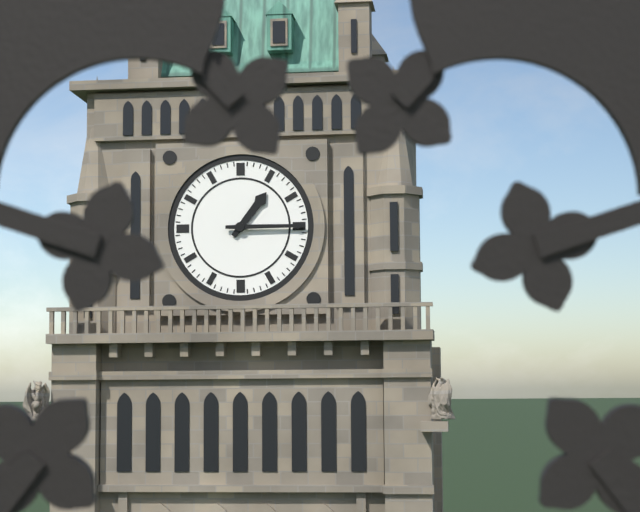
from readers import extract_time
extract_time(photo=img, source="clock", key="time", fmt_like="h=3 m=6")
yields h=1 m=15
